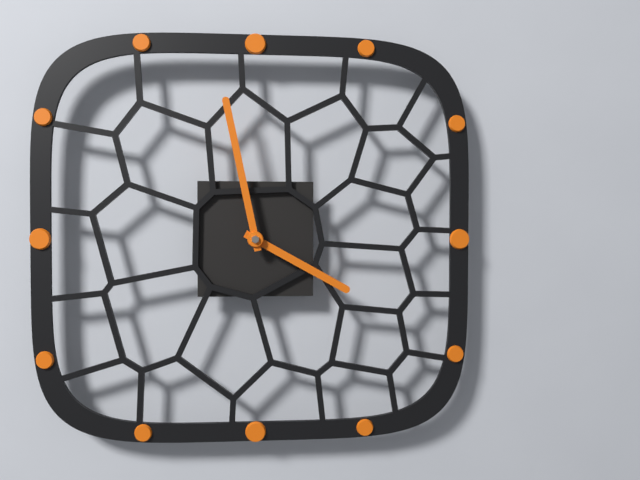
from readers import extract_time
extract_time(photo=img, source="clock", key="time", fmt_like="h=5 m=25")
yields h=3 m=58
